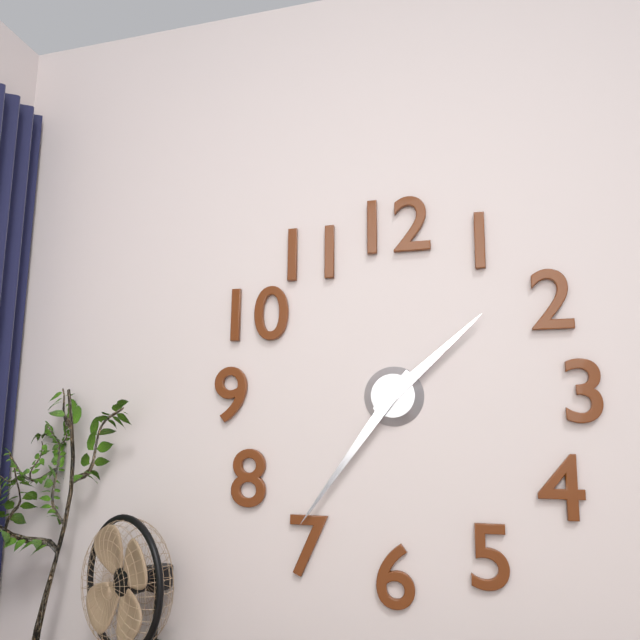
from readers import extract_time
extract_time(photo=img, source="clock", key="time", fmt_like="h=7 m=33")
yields h=1 m=36
